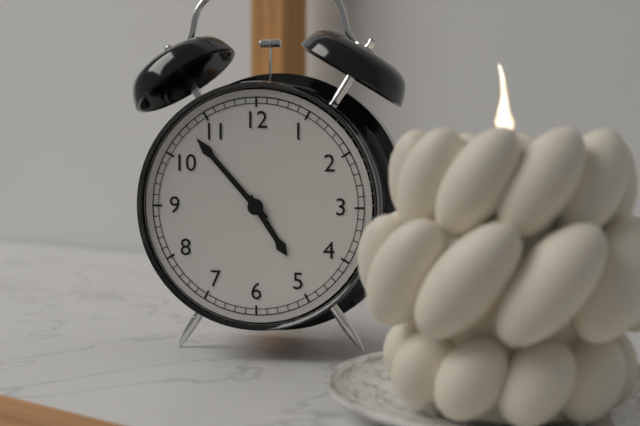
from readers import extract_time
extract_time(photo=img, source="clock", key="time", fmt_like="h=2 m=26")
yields h=4 m=53
